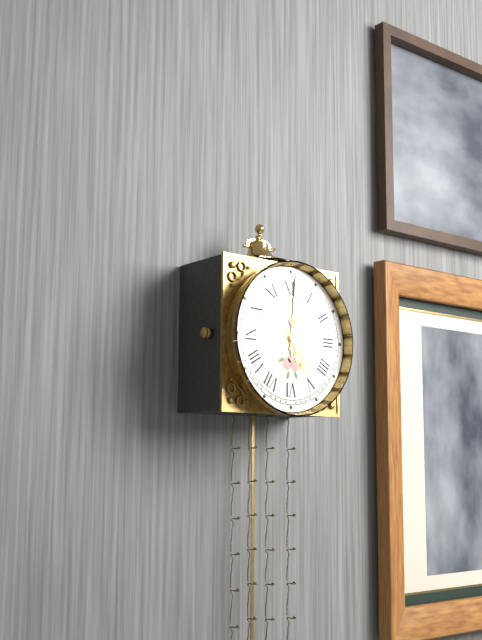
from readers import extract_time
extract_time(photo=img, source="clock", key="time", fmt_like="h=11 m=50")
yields h=5 m=1
